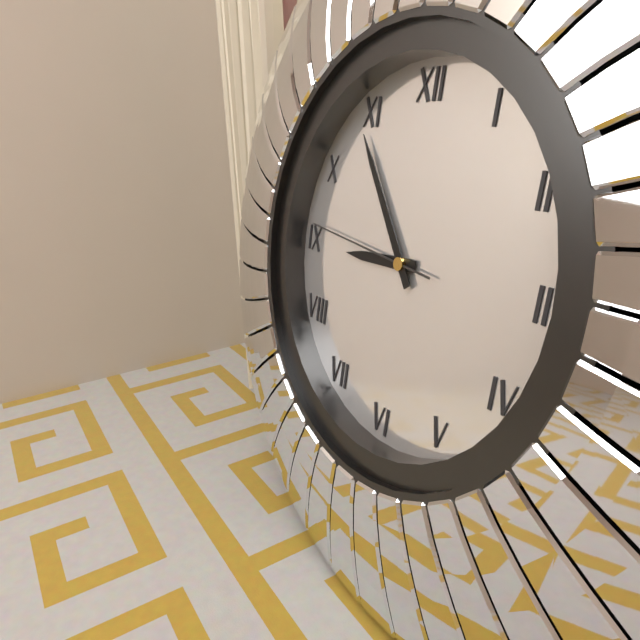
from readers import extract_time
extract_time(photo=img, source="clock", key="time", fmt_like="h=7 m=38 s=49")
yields h=8 m=54 s=46
